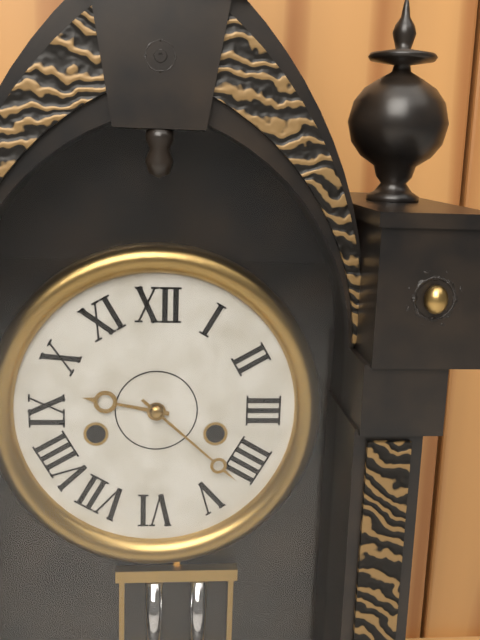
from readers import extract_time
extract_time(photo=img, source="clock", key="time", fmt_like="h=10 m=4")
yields h=9 m=22
